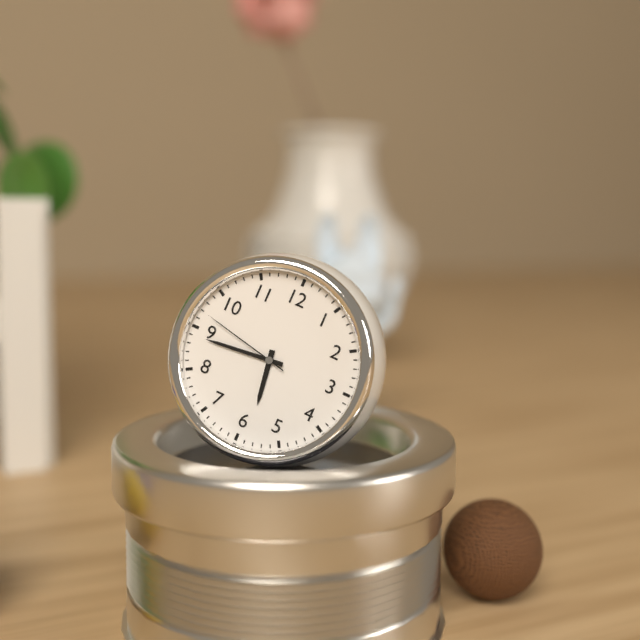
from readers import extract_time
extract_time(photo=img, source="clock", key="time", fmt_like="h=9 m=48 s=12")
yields h=5 m=44 s=47
